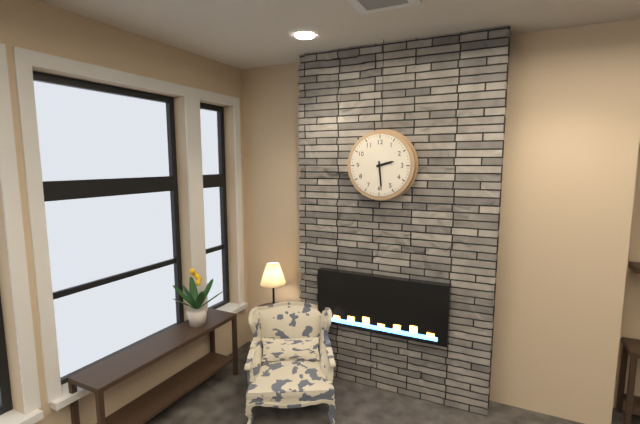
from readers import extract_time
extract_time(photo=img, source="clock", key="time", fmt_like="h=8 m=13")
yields h=2 m=29
